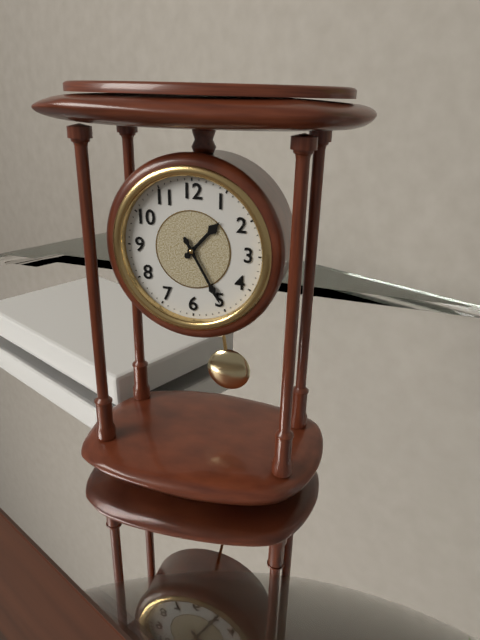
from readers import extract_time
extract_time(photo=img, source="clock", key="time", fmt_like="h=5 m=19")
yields h=1 m=25
